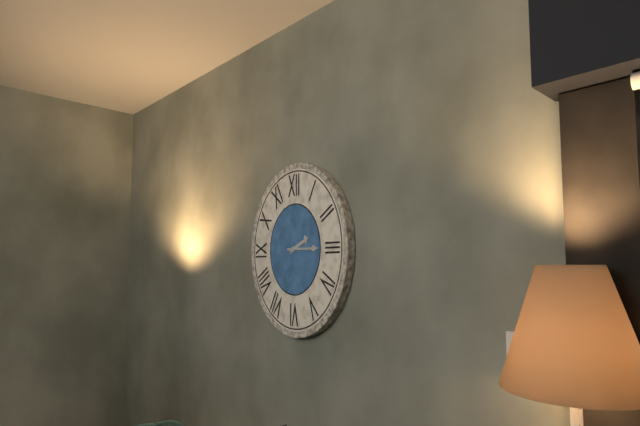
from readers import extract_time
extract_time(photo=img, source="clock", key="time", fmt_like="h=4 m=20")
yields h=2 m=15
